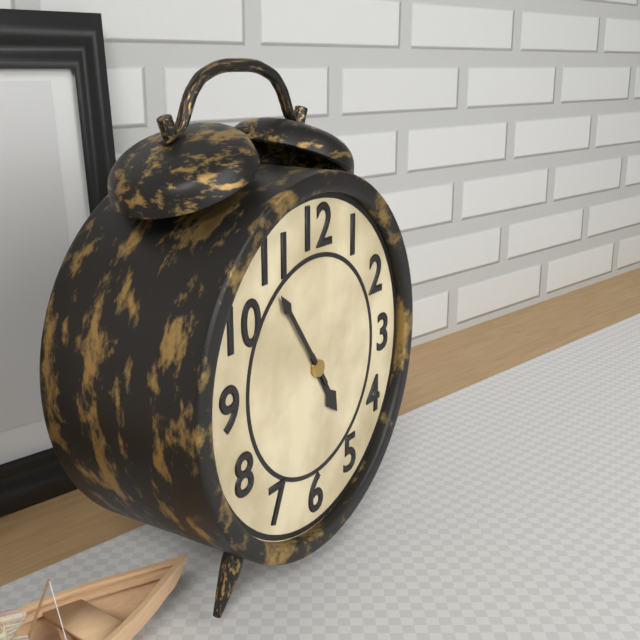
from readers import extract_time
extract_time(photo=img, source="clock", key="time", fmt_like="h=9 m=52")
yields h=4 m=54
